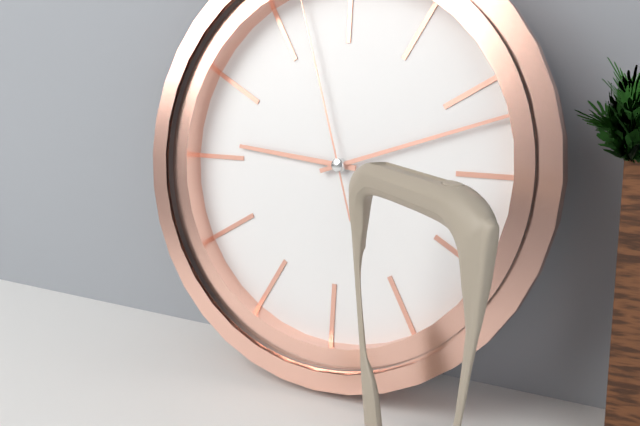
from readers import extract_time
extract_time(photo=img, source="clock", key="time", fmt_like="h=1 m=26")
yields h=9 m=12
